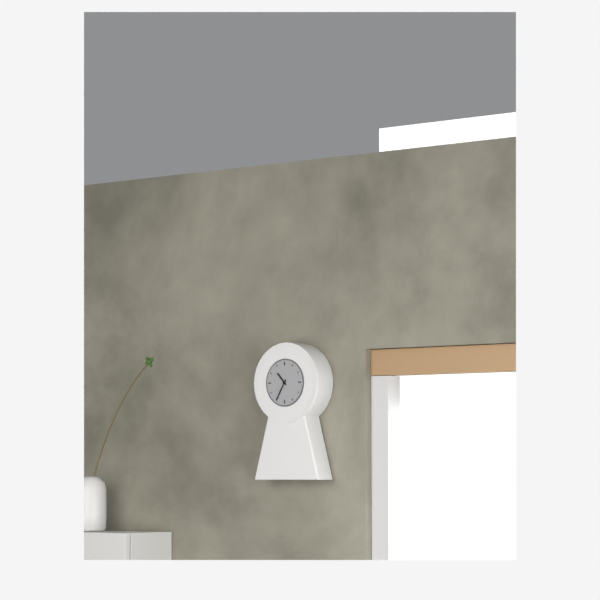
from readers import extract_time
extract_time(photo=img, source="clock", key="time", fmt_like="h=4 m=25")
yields h=10 m=35
